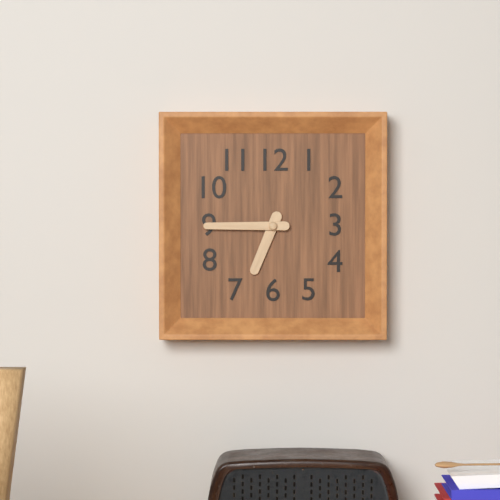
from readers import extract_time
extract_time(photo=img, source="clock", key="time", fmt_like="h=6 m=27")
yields h=6 m=45
